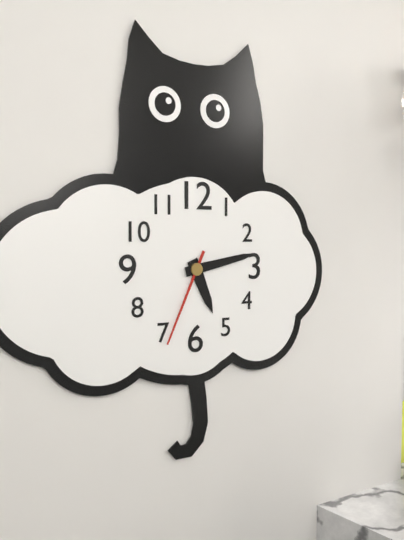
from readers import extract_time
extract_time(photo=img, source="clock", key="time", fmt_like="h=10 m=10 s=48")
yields h=5 m=13 s=34
